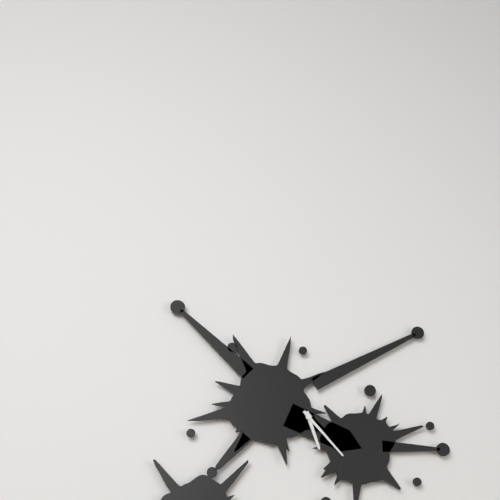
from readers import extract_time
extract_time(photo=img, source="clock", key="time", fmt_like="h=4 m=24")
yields h=5 m=23
